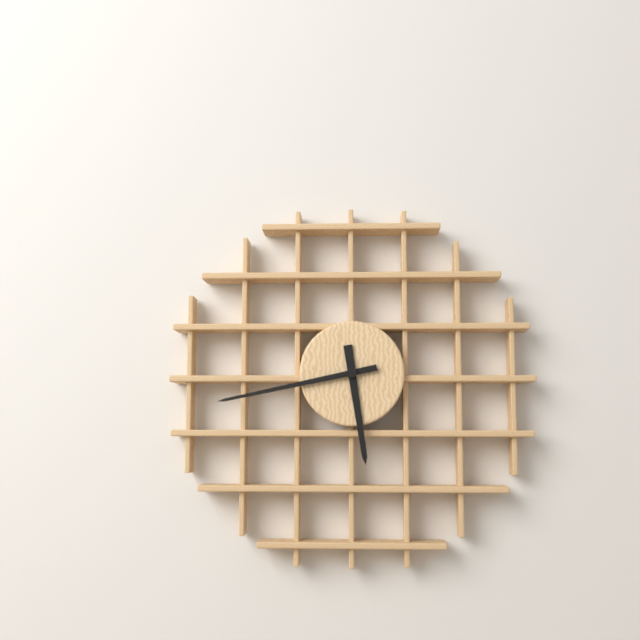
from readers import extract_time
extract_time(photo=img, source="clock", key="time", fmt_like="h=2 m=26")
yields h=5 m=43
